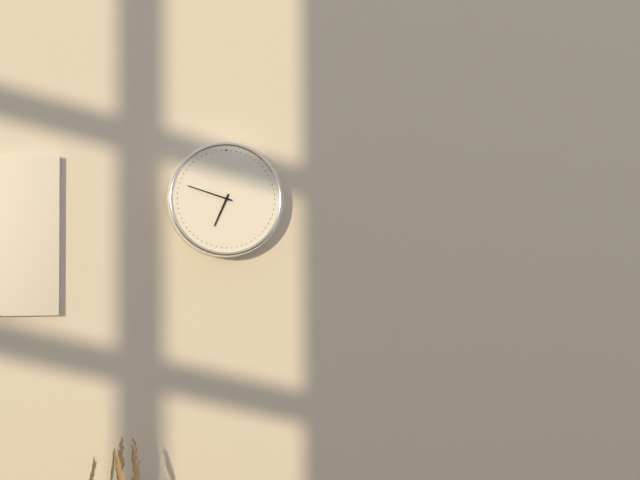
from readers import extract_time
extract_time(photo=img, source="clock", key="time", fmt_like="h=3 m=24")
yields h=6 m=48
